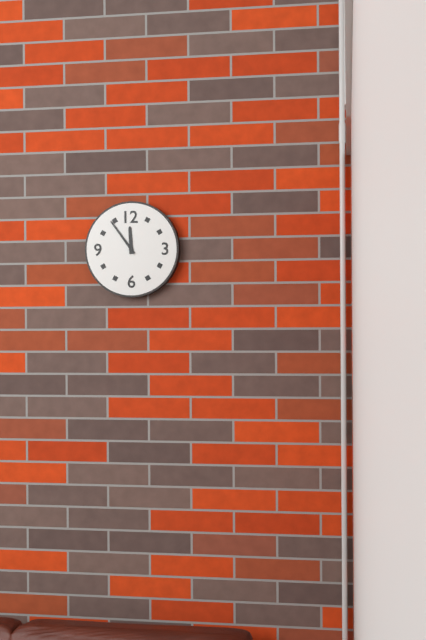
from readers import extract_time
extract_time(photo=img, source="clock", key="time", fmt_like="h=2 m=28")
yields h=11 m=54
